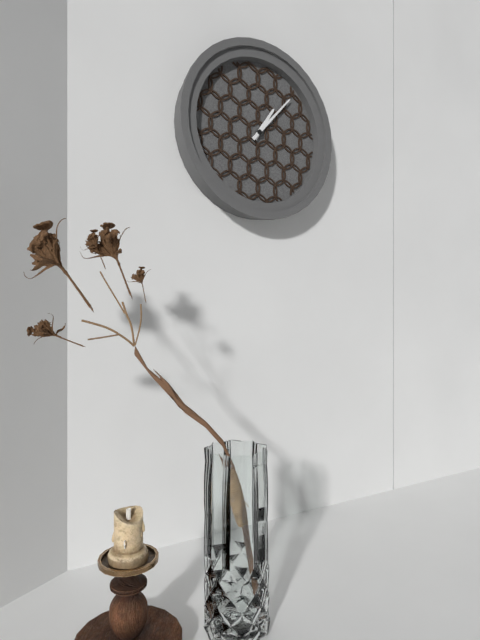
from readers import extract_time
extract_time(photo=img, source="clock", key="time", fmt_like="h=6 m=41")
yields h=1 m=7
